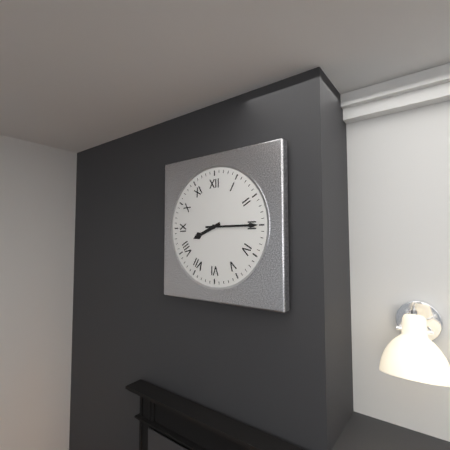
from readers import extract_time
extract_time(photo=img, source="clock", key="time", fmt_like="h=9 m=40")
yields h=8 m=15
